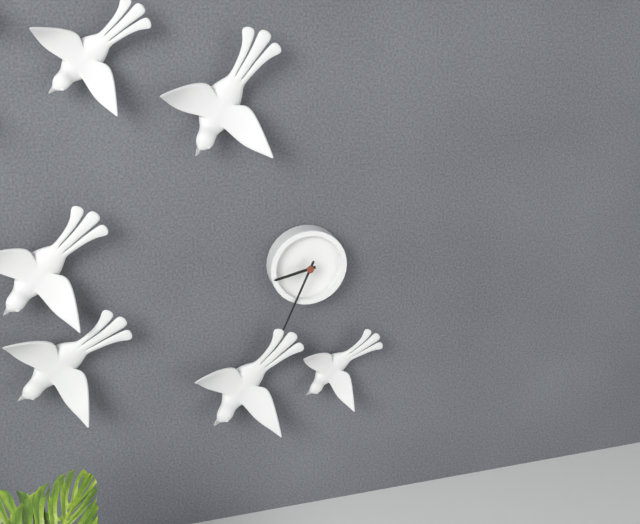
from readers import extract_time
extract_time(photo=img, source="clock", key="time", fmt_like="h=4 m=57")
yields h=8 m=34
